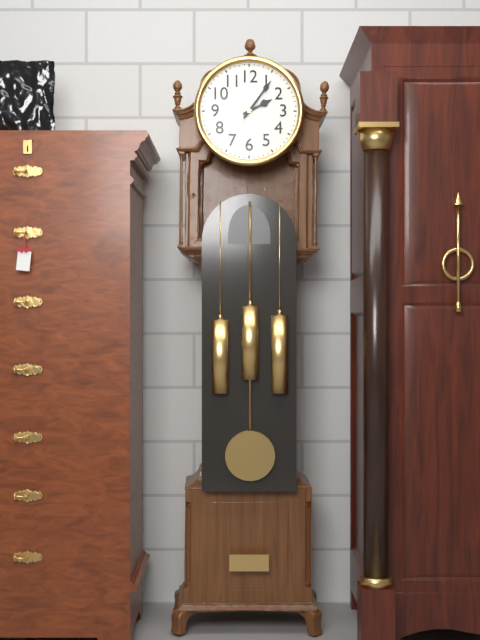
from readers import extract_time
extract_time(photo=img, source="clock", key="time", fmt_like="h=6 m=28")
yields h=2 m=6
